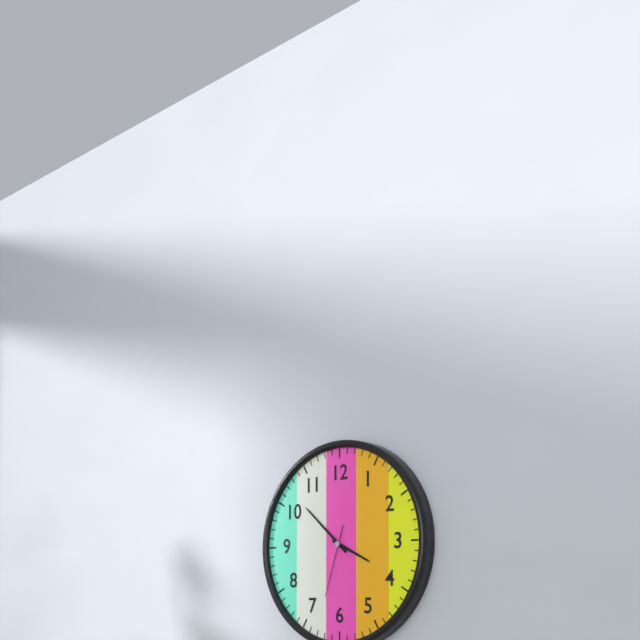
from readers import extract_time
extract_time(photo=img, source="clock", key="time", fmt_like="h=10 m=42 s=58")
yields h=3 m=52 s=33
